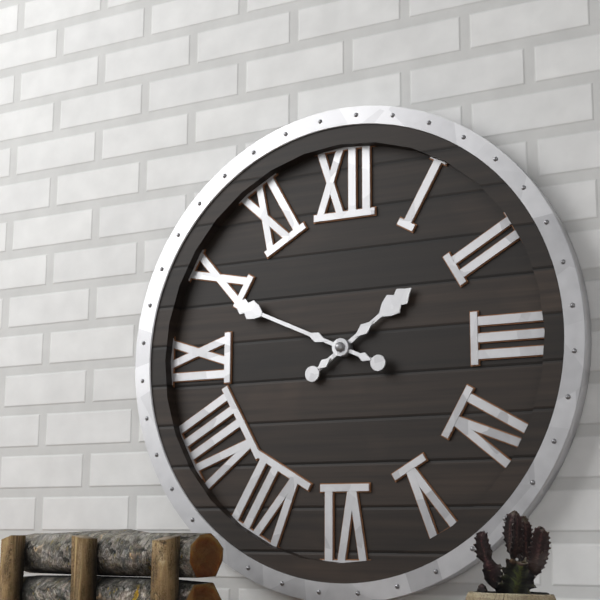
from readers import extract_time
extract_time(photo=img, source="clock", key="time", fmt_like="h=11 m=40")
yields h=1 m=49
